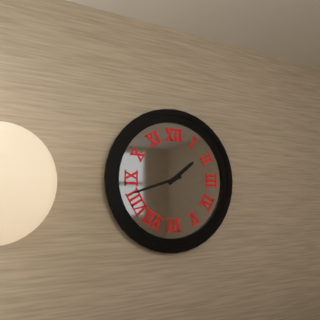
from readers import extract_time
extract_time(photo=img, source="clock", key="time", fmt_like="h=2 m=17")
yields h=1 m=42
